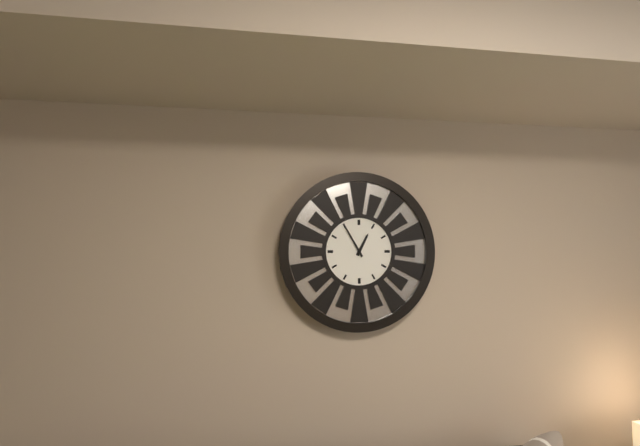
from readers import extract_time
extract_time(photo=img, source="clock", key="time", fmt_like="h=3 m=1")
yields h=12 m=55
